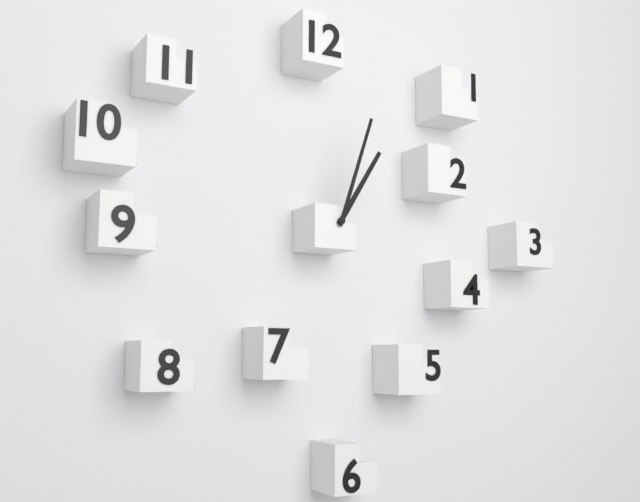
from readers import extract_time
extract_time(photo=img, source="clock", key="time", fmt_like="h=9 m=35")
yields h=1 m=3
